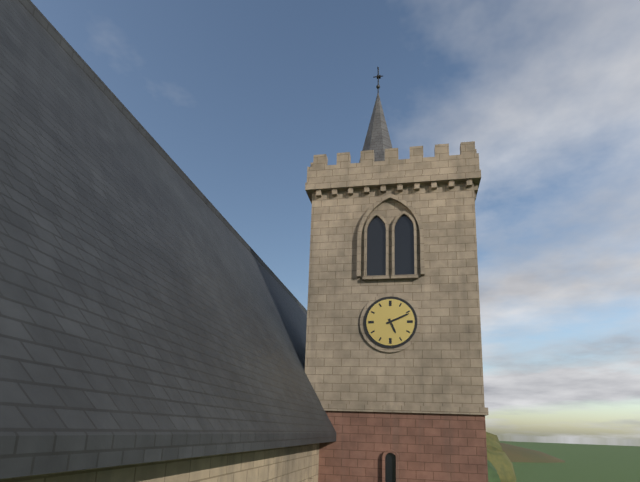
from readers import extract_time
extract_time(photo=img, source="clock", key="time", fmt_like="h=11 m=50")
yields h=5 m=11
